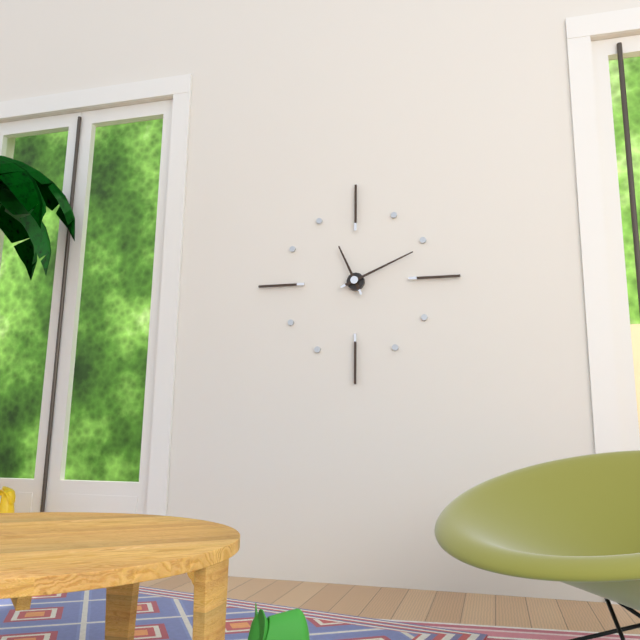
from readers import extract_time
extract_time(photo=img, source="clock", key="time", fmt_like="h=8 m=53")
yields h=11 m=11
